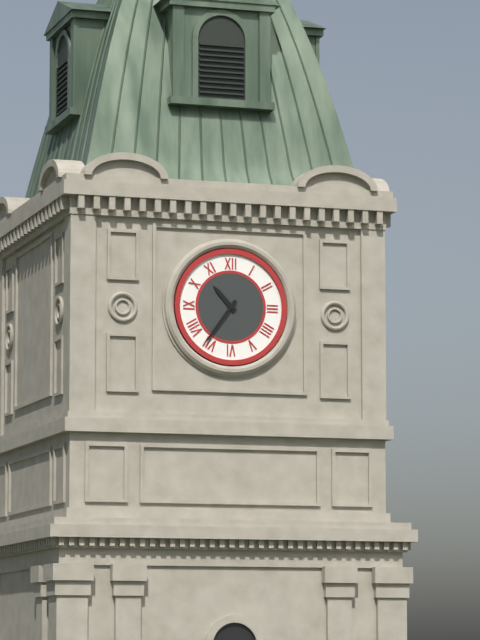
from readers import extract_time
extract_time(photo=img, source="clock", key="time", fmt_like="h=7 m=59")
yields h=10 m=36
